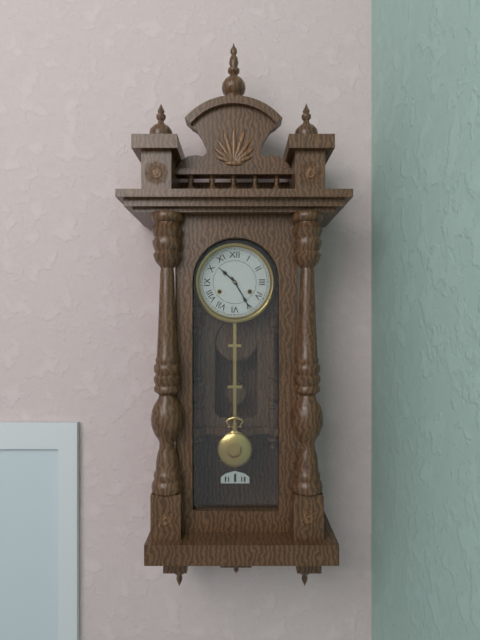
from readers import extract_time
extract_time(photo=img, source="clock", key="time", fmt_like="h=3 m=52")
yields h=10 m=25
